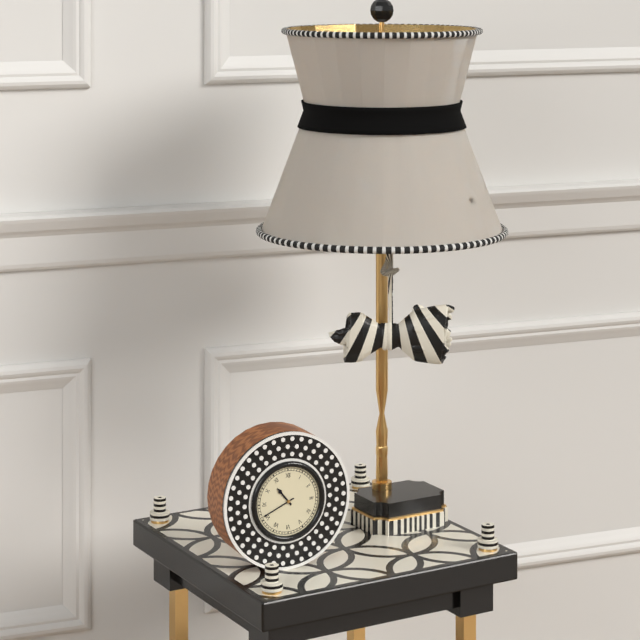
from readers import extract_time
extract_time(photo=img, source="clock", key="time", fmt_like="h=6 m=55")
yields h=10 m=41
